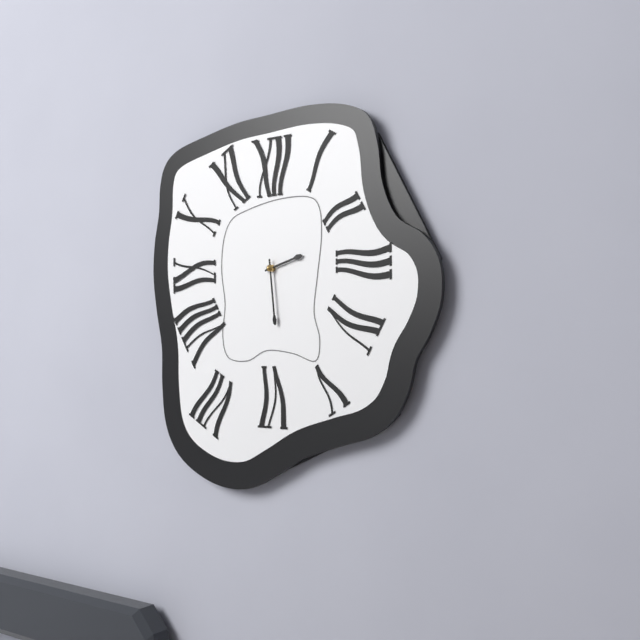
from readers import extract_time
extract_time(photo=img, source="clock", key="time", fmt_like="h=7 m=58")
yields h=2 m=29
